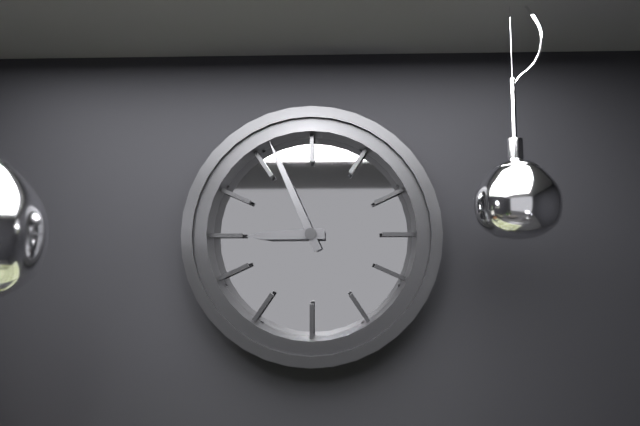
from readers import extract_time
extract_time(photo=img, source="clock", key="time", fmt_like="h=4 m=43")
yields h=8 m=56
